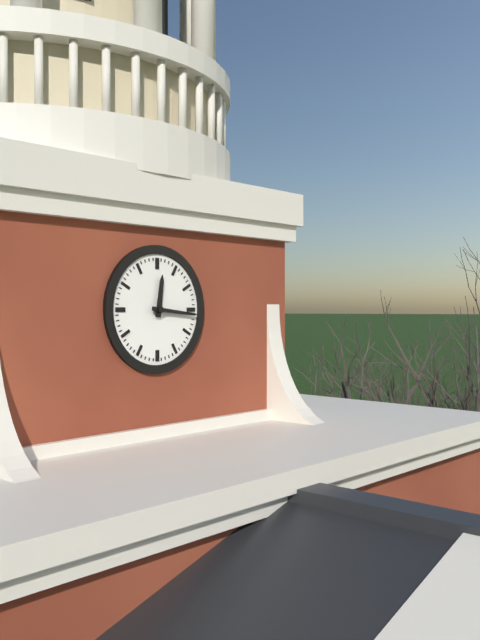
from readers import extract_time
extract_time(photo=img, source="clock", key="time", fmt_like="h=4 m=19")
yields h=12 m=16
